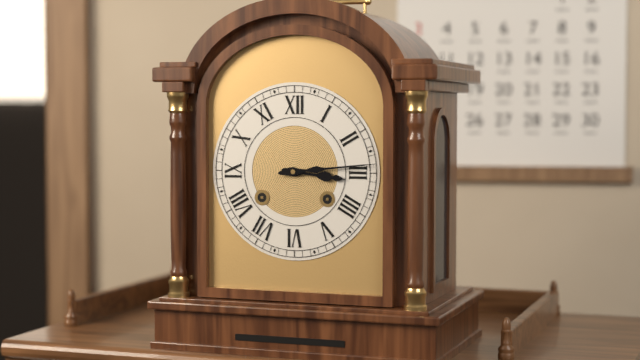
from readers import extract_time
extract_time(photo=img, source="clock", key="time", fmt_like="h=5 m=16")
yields h=3 m=14
